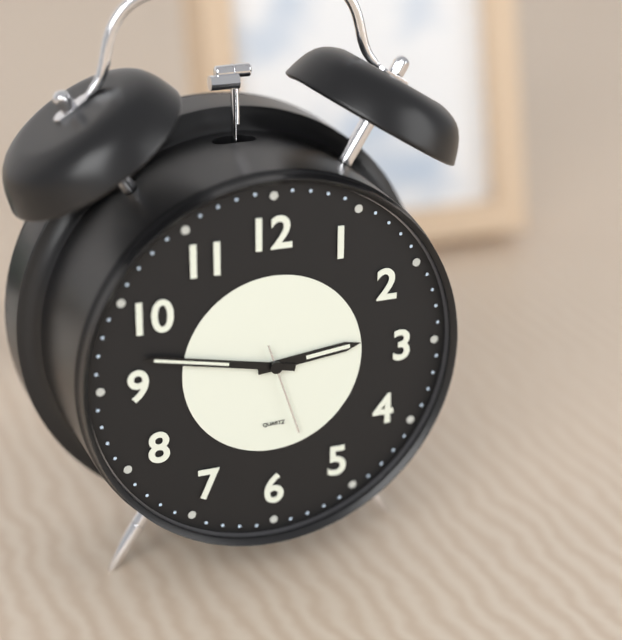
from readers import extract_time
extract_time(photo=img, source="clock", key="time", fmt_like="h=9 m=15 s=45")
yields h=2 m=47 s=27
